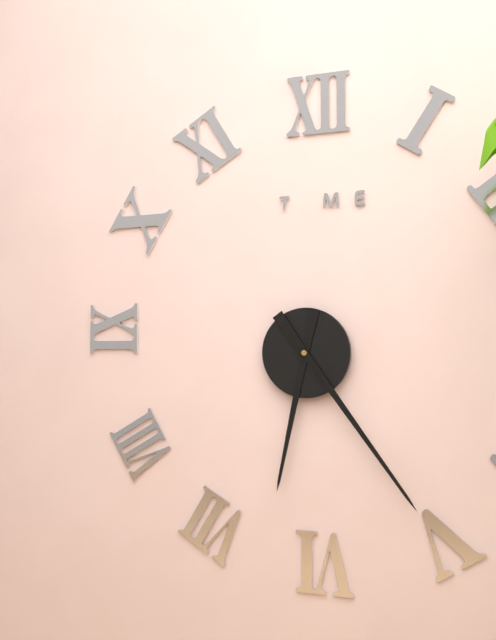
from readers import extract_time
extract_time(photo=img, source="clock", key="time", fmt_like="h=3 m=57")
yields h=6 m=24
